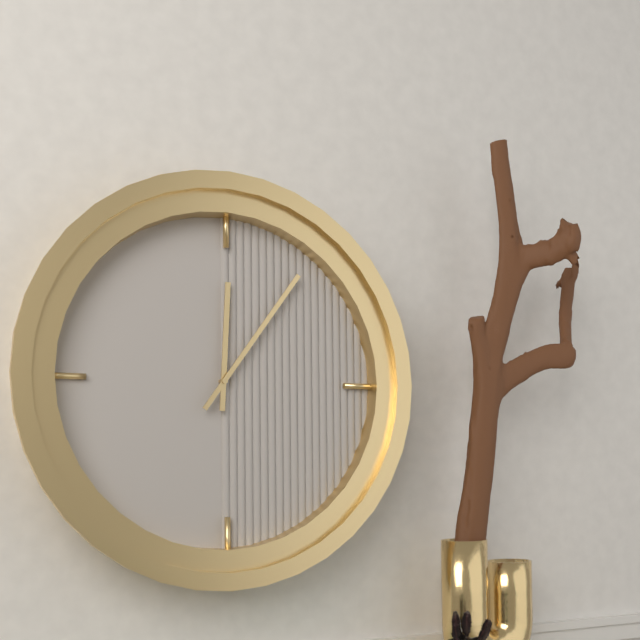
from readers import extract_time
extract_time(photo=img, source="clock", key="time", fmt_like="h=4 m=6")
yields h=12 m=6
